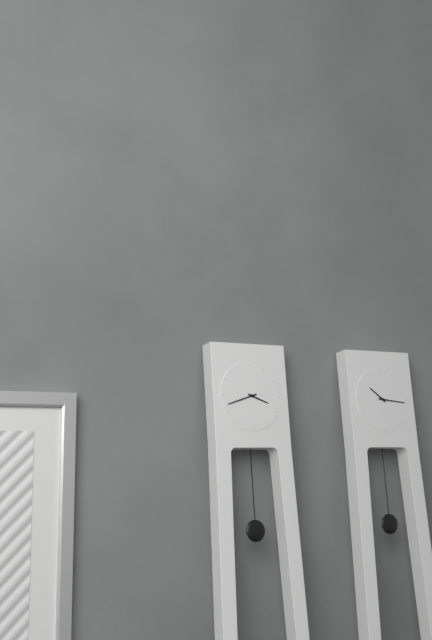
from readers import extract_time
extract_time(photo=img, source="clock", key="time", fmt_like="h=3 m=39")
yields h=3 m=42
